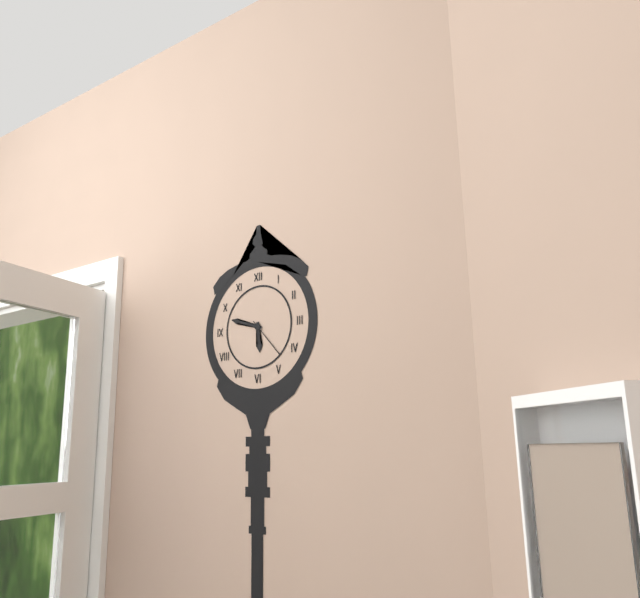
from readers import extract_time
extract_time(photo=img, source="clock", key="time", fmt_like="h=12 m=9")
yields h=5 m=48
